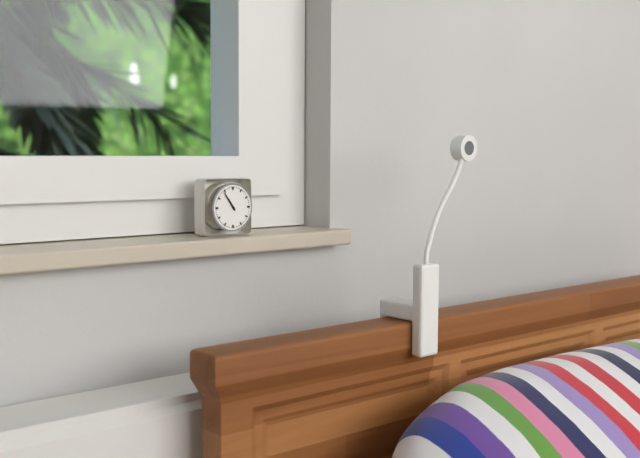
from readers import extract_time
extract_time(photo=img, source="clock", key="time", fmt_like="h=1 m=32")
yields h=10 m=54
